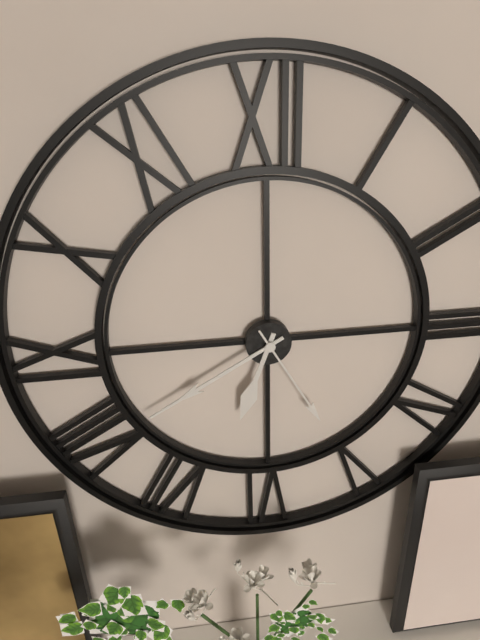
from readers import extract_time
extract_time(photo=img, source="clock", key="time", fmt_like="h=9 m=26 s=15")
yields h=6 m=40 s=25
